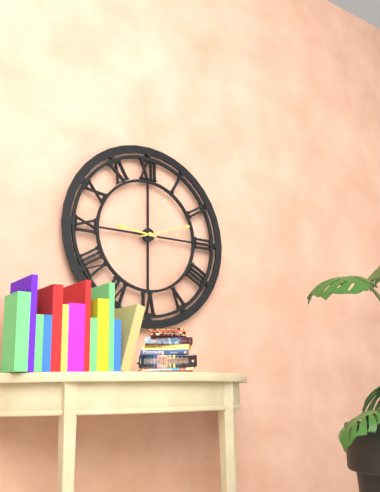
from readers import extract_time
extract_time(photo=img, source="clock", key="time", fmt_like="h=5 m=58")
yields h=9 m=12
